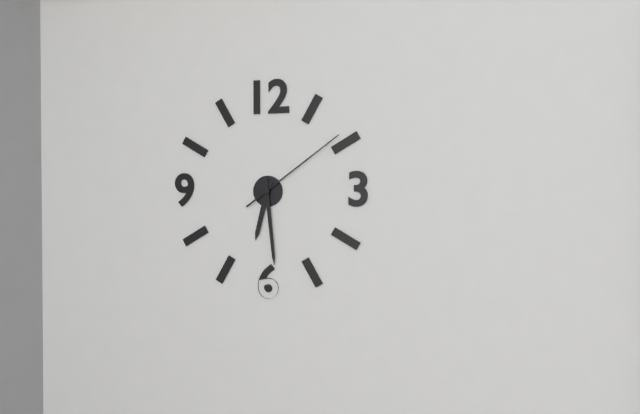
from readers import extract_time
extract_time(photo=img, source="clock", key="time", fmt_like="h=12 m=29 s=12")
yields h=6 m=29 s=9
